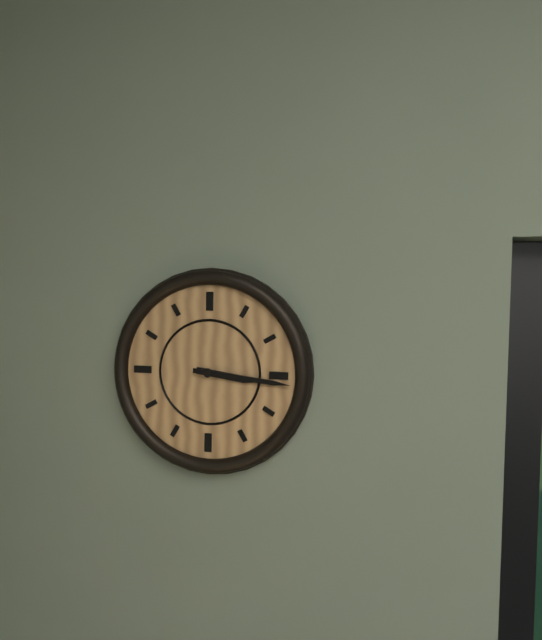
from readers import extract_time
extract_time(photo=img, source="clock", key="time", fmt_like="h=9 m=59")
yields h=3 m=16
